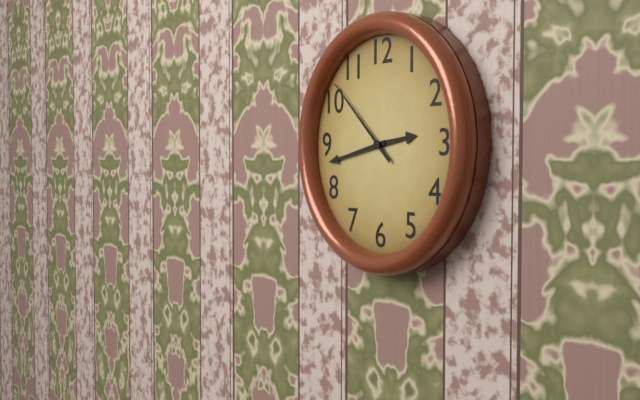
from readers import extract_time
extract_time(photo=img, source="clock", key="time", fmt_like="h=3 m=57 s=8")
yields h=2 m=43 s=52
